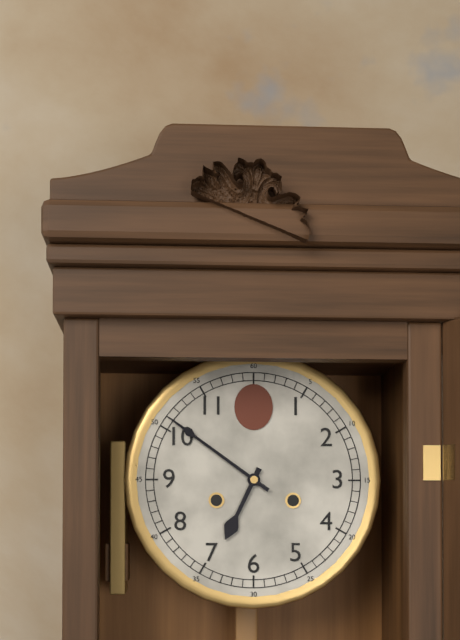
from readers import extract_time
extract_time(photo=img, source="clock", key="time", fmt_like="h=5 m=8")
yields h=6 m=51
